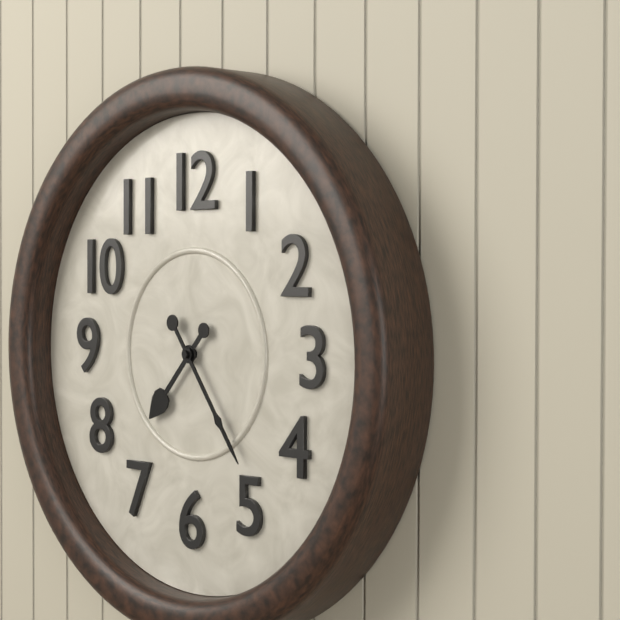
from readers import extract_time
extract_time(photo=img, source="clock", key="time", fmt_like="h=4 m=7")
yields h=7 m=24
